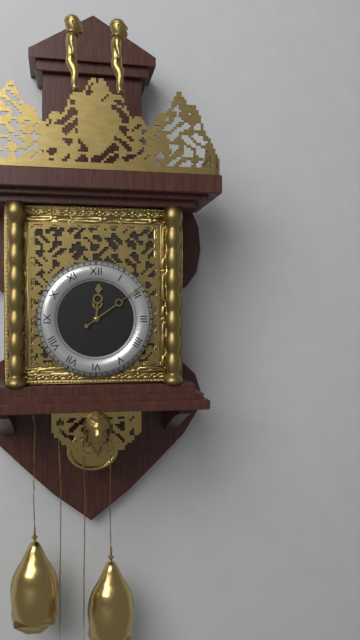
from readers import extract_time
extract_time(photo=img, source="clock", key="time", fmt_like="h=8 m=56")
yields h=12 m=9
